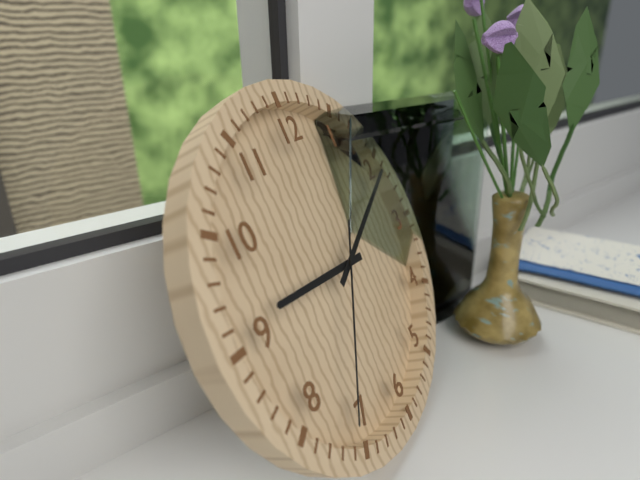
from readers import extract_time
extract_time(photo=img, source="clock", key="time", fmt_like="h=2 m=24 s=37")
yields h=9 m=11 s=36
